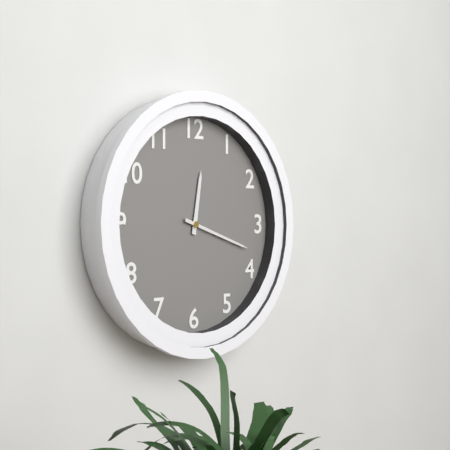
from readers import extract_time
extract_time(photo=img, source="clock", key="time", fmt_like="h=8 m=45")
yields h=12 m=18
